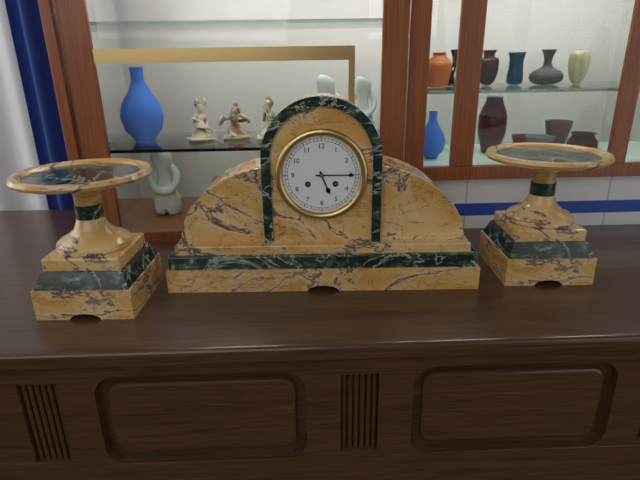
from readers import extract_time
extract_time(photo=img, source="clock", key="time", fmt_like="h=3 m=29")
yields h=5 m=15
